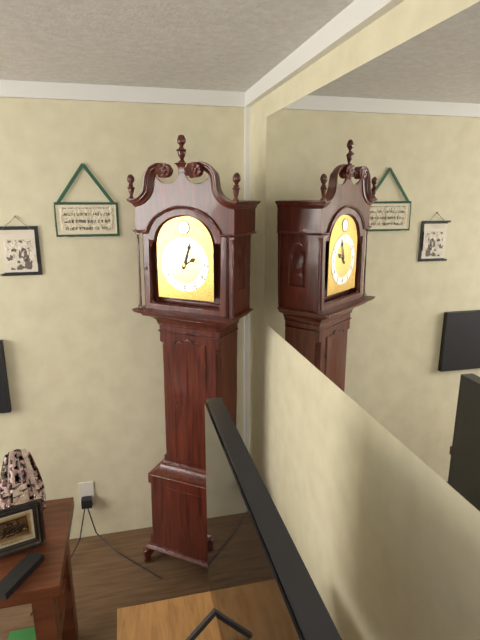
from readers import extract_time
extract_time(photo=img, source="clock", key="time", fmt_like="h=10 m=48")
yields h=2 m=3
